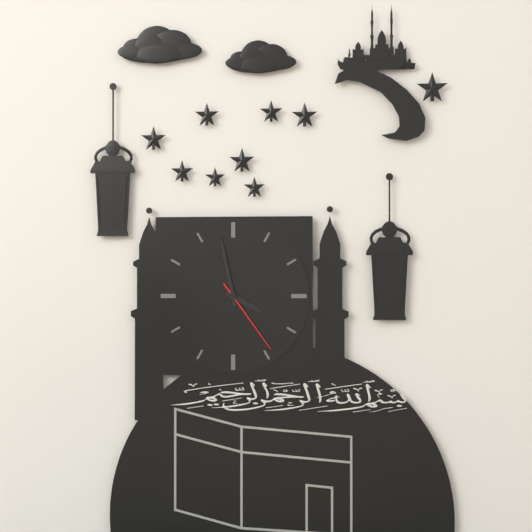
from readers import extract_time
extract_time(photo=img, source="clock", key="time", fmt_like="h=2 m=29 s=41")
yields h=3 m=58 s=24
